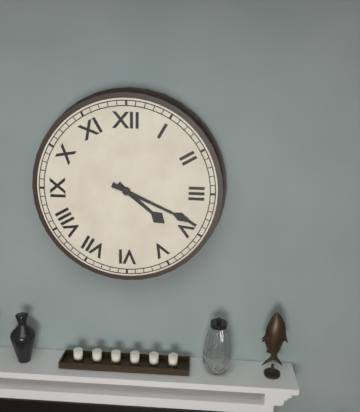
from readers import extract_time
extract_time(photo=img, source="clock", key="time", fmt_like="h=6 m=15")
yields h=4 m=19
